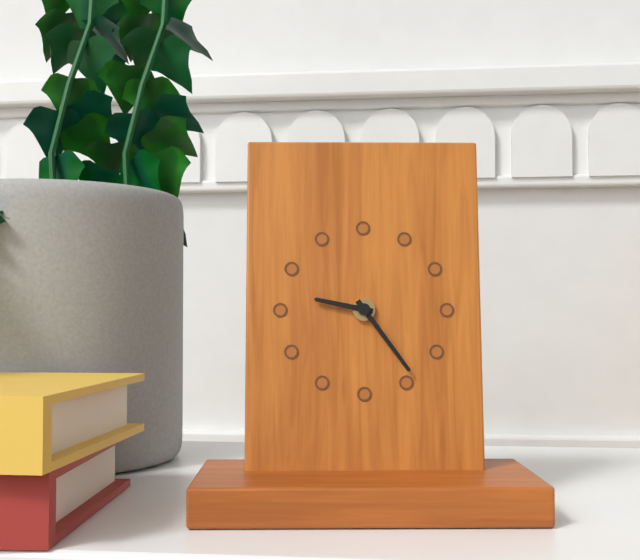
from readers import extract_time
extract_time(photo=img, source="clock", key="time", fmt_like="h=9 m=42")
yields h=9 m=24
